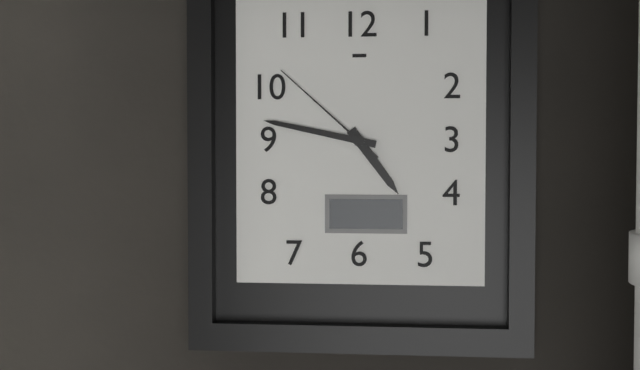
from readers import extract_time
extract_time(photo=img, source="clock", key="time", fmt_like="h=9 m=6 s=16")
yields h=4 m=47 s=52
